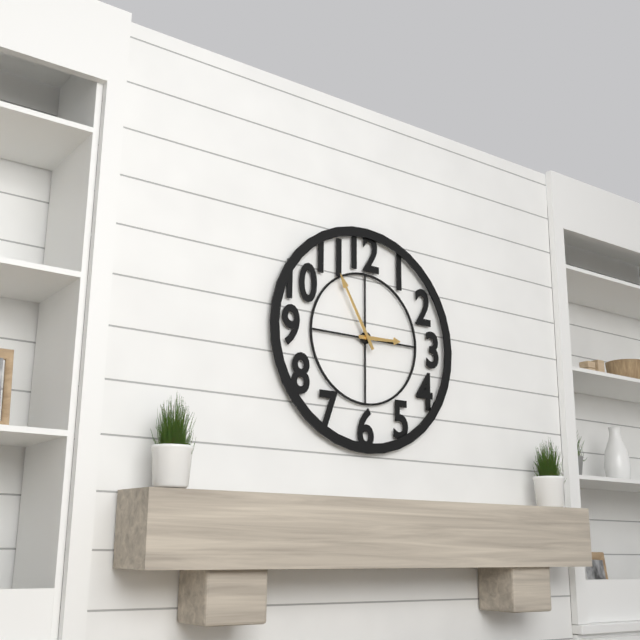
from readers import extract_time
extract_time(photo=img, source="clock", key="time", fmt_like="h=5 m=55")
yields h=2 m=55
